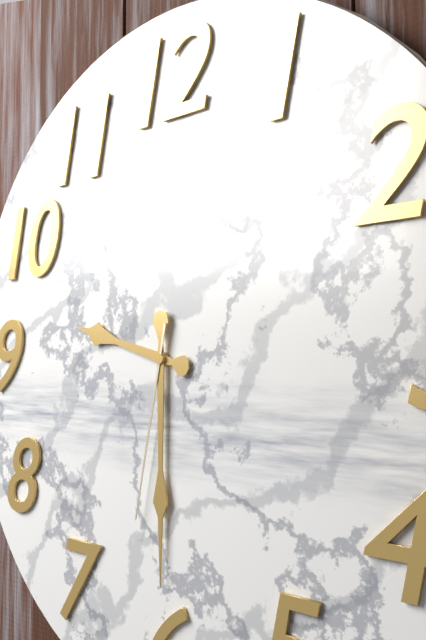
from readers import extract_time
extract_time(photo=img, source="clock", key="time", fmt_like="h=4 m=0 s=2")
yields h=9 m=30 s=32
